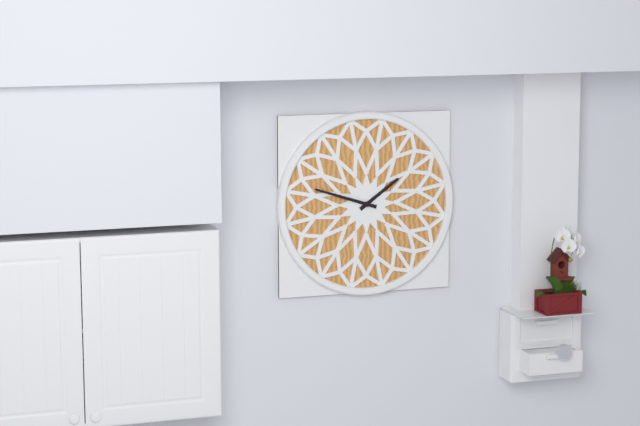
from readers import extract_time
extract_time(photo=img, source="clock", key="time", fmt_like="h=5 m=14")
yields h=1 m=48
